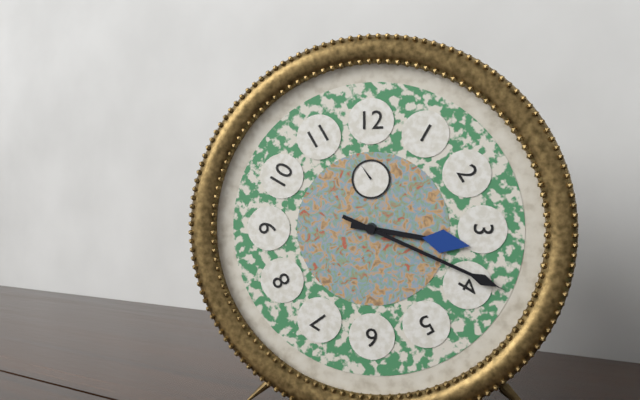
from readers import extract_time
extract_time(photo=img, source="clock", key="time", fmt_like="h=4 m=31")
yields h=3 m=19
